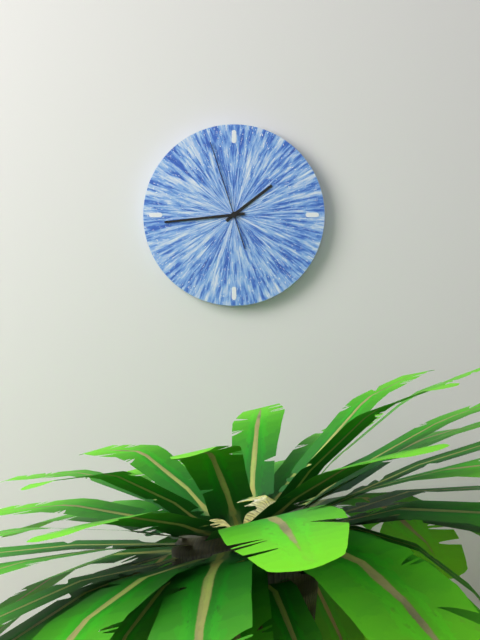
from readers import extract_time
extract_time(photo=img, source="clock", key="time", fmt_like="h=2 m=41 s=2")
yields h=1 m=44 s=57
